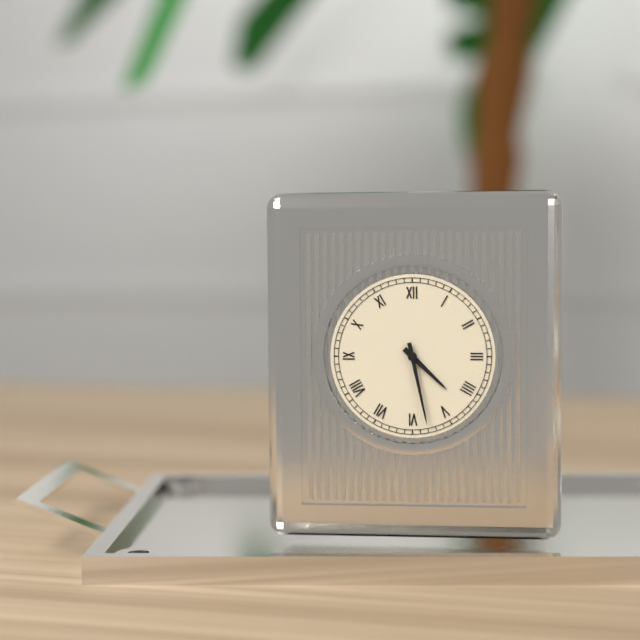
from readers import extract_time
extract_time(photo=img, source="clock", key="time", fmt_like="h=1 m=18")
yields h=4 m=28
